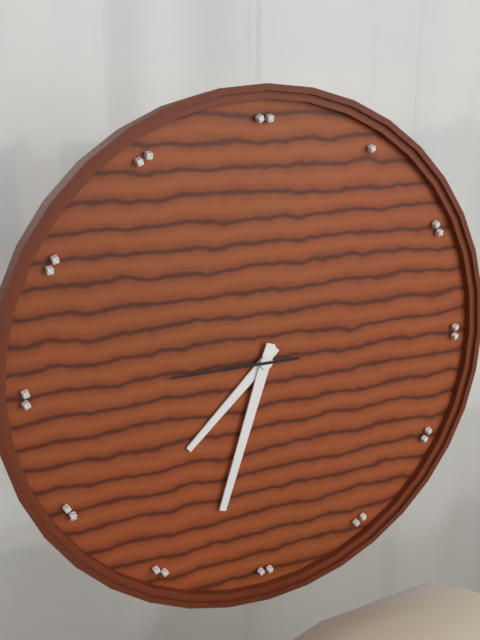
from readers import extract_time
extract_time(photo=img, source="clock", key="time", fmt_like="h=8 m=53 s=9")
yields h=7 m=33 s=45
